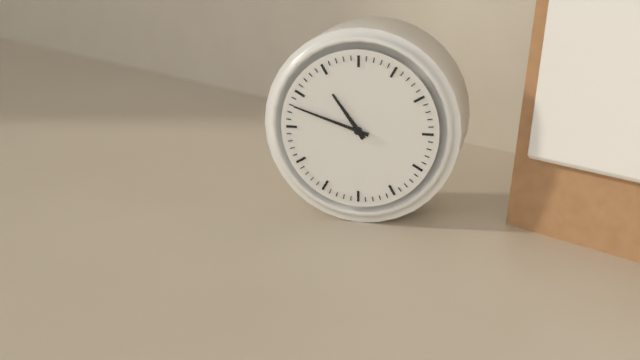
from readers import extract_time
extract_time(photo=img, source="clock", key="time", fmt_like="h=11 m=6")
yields h=10 m=48
